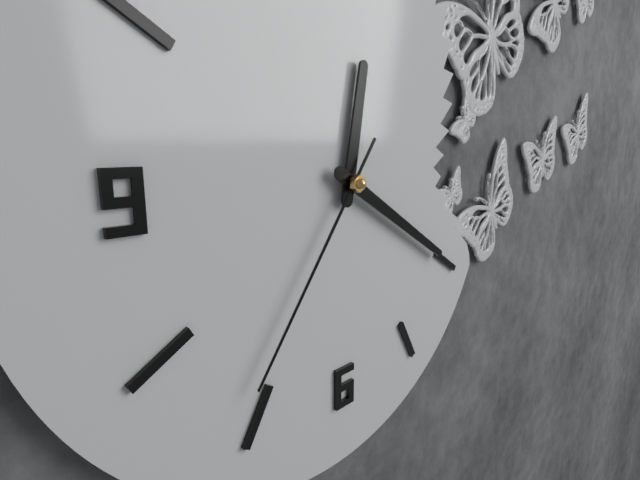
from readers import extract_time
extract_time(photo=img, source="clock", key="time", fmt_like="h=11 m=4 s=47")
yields h=12 m=20 s=36
